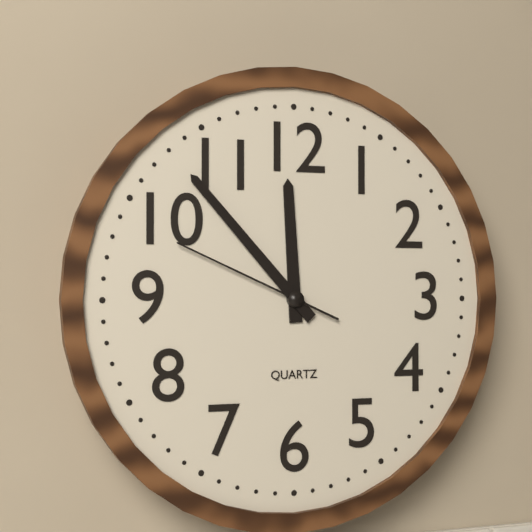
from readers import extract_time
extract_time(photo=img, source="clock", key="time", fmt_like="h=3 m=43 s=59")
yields h=11 m=53 s=49
